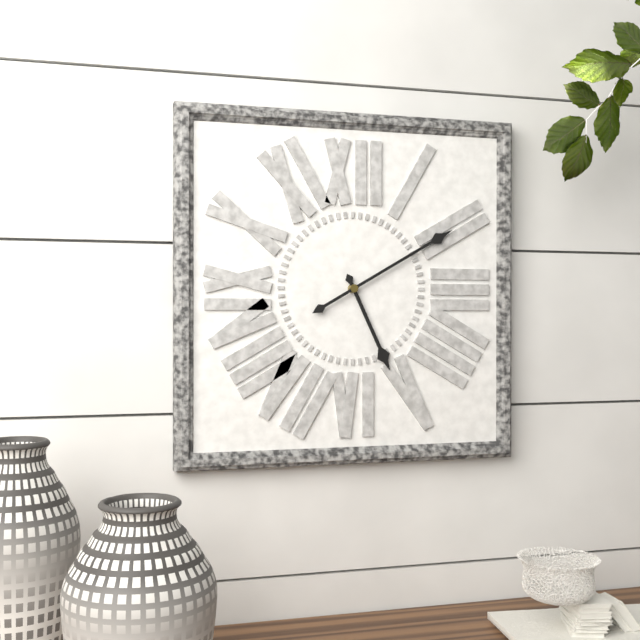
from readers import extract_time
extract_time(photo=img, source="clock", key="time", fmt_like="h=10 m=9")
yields h=5 m=10
